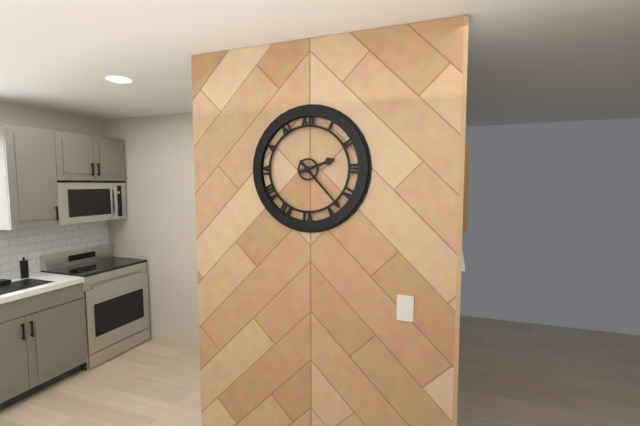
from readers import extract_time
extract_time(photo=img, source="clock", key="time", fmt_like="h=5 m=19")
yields h=2 m=23
